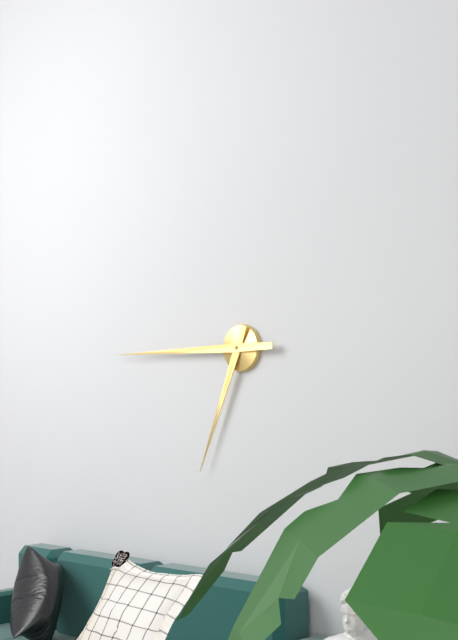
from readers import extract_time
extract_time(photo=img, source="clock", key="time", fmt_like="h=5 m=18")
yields h=6 m=45
